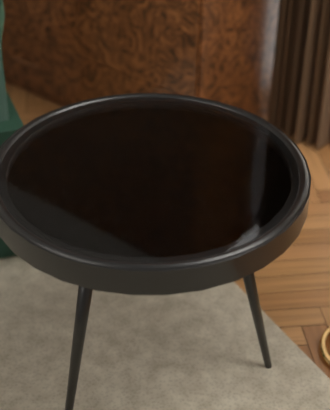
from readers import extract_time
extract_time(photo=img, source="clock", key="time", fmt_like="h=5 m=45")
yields h=2 m=2
